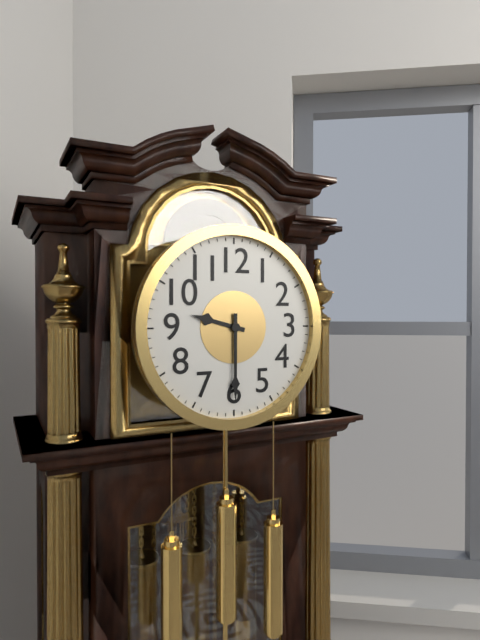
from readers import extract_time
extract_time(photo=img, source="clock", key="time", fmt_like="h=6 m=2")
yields h=9 m=30
